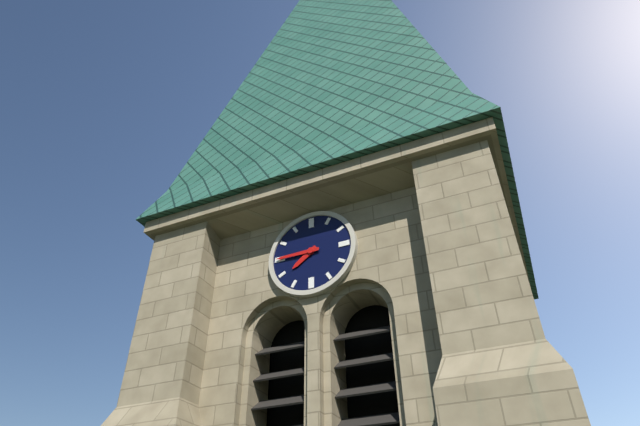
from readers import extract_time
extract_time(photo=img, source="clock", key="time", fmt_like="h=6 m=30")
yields h=7 m=45
